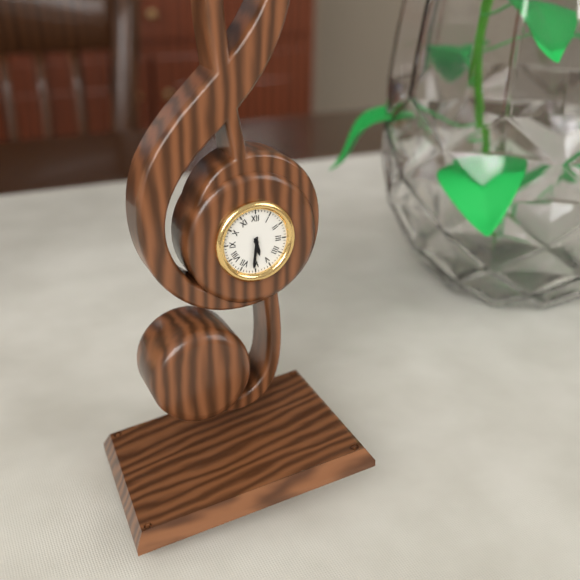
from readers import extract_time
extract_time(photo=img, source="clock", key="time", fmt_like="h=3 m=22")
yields h=5 m=31
